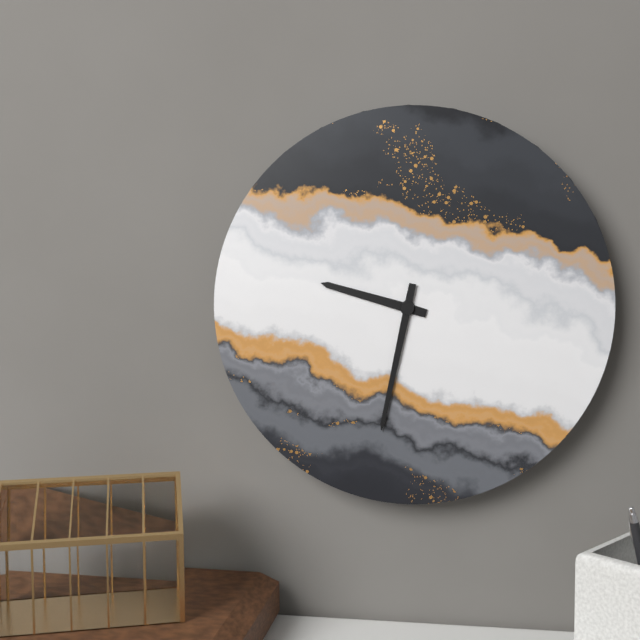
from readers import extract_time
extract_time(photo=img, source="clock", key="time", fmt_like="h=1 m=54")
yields h=9 m=32
